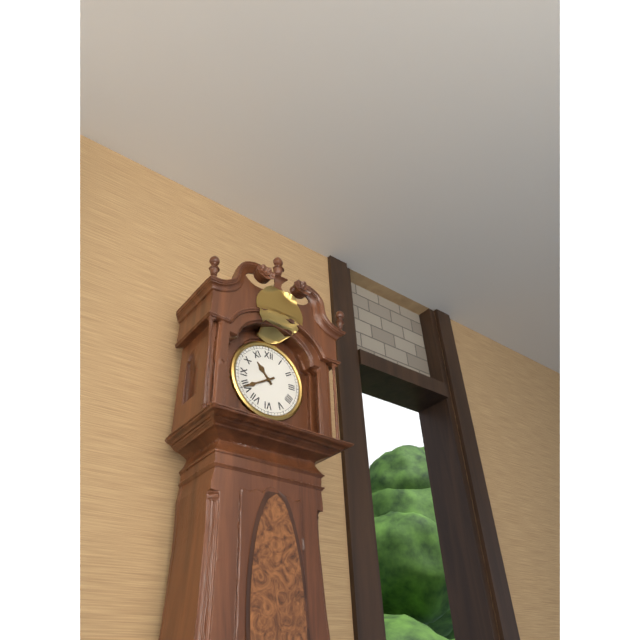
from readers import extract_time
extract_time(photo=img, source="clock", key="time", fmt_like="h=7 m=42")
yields h=10 m=40
